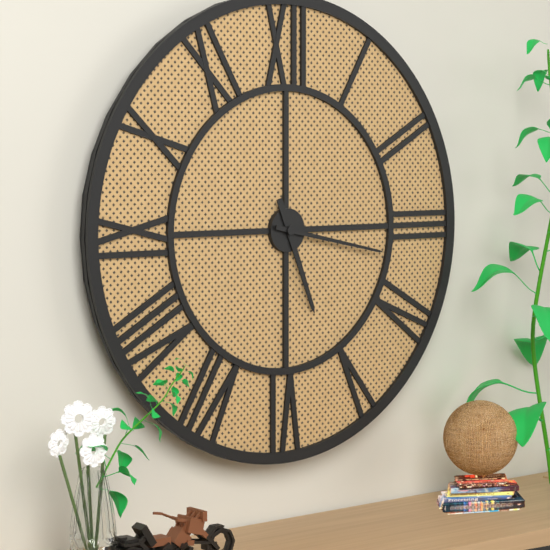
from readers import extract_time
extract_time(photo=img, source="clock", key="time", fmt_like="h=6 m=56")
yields h=5 m=17
